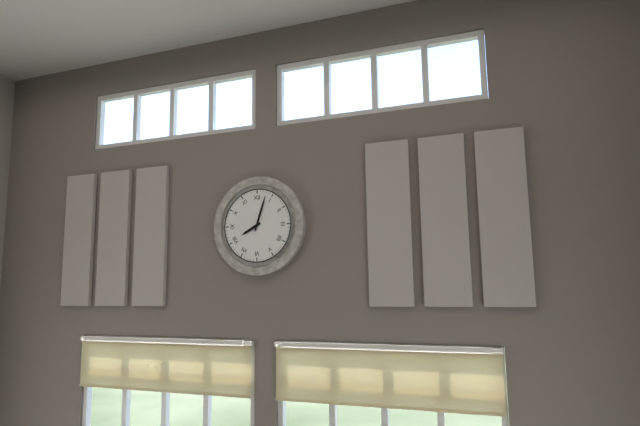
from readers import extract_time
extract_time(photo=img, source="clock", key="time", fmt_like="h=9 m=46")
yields h=8 m=3
